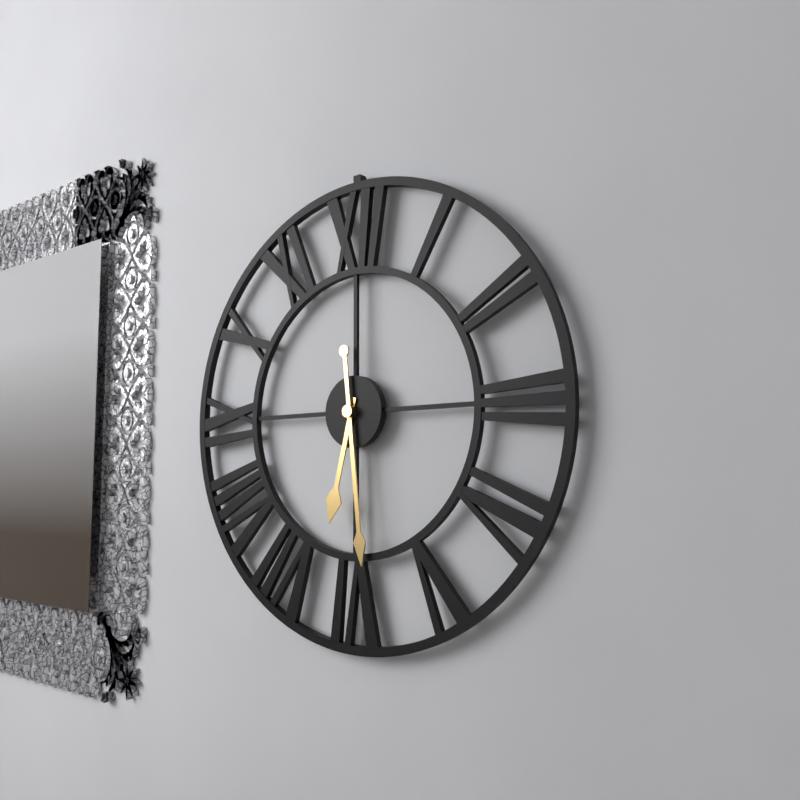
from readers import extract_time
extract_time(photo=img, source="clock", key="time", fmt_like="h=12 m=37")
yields h=6 m=29
